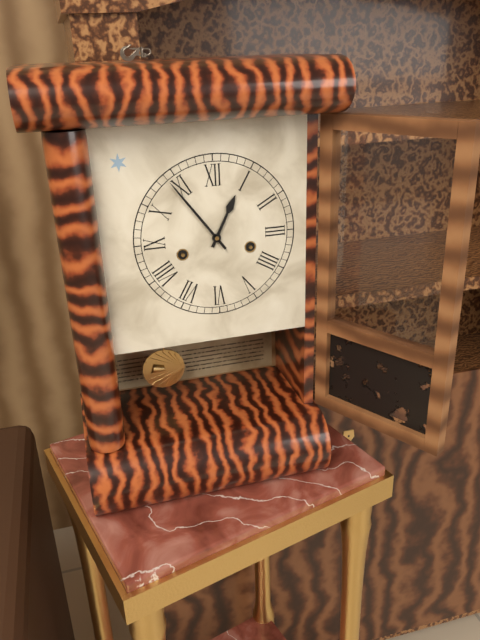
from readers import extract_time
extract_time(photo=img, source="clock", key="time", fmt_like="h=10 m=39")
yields h=12 m=54
